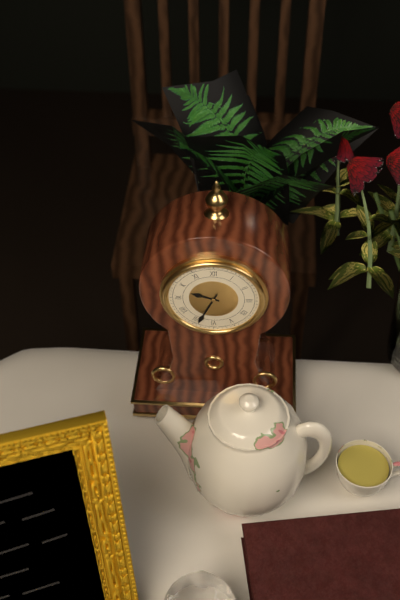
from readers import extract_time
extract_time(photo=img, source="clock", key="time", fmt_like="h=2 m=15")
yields h=9 m=34
